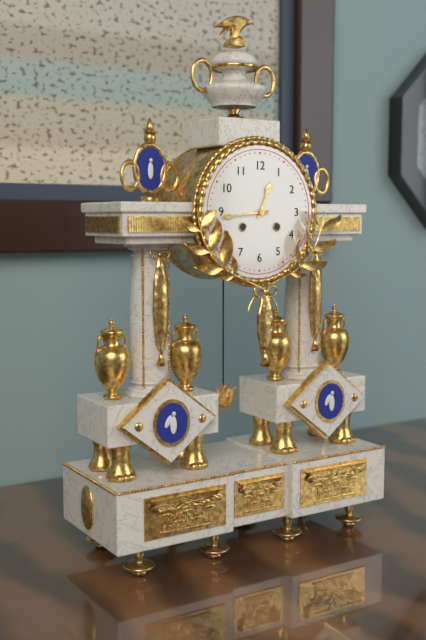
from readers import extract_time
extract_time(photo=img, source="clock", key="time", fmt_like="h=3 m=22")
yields h=12 m=44
